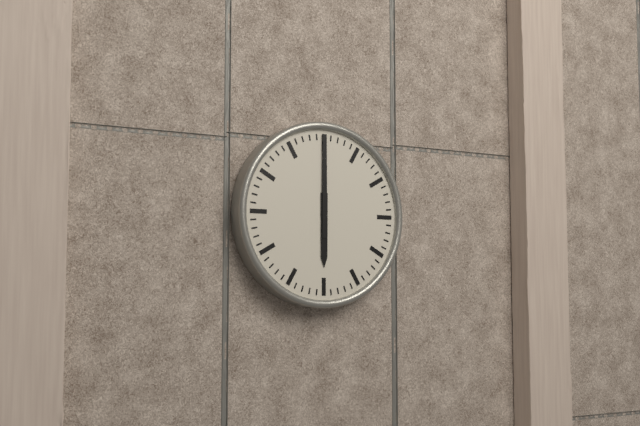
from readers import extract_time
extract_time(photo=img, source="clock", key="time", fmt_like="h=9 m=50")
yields h=6 m=0
